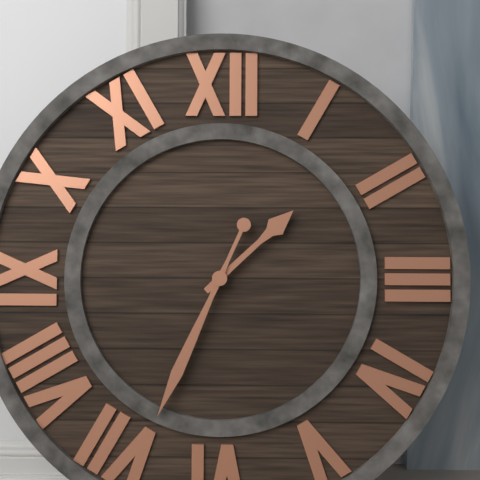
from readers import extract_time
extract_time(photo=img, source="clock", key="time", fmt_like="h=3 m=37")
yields h=1 m=34
